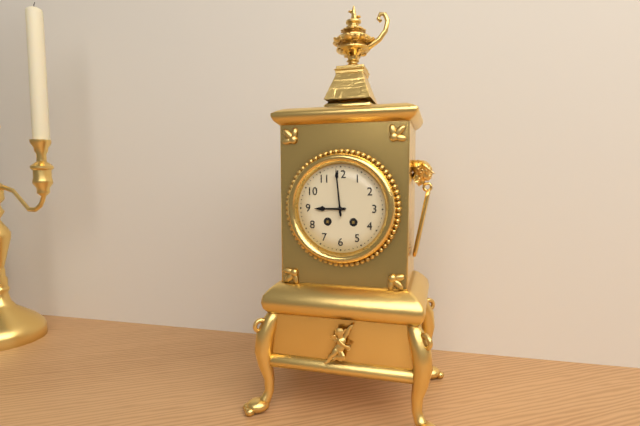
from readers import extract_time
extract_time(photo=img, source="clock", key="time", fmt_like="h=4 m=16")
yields h=8 m=59
